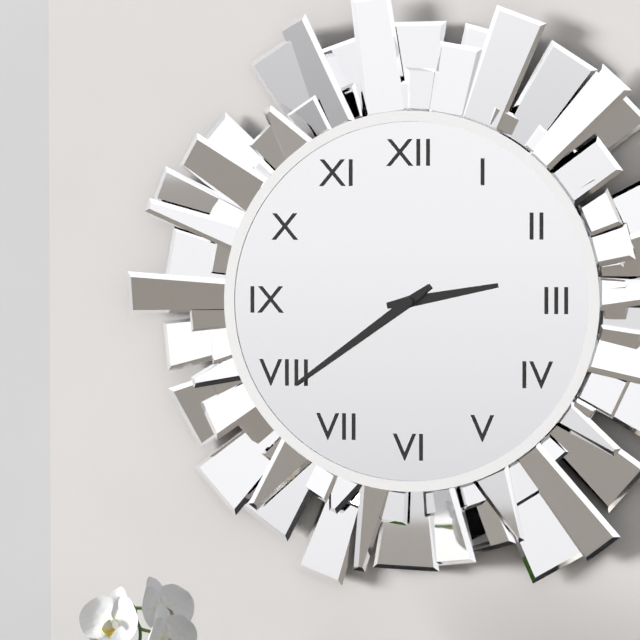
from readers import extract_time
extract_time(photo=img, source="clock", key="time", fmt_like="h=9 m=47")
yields h=2 m=39
